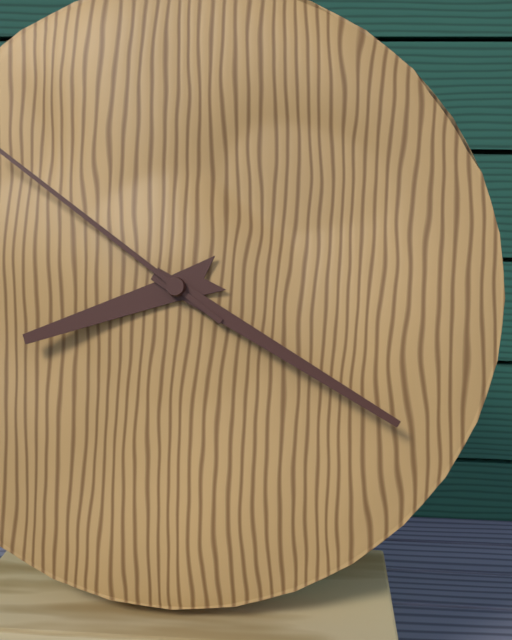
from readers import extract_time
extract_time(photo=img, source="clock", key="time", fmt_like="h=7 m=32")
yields h=8 m=20
